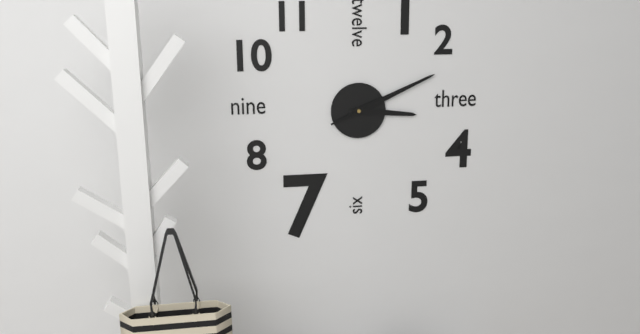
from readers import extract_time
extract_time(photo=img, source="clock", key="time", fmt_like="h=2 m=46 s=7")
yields h=3 m=11 s=11
